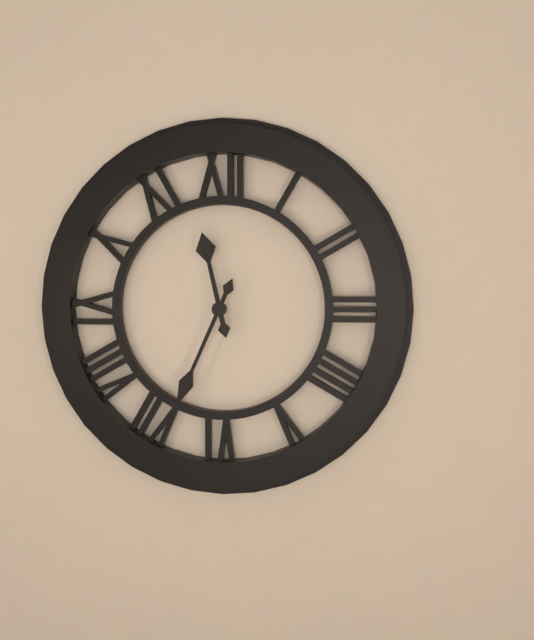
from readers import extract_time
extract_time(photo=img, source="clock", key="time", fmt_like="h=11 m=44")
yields h=11 m=34
